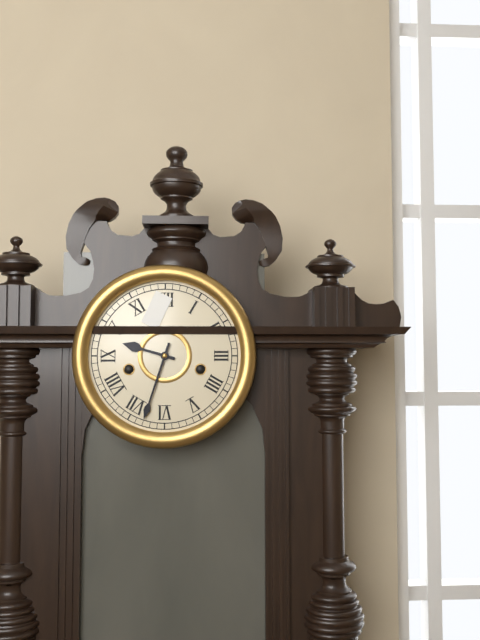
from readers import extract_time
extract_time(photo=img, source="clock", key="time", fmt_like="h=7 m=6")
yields h=9 m=33
